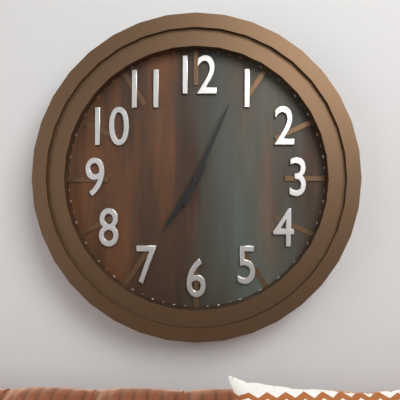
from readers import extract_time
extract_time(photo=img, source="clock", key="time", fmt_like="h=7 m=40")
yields h=7 m=4
